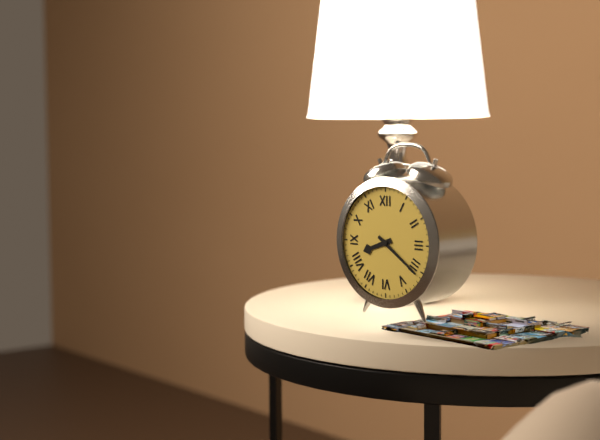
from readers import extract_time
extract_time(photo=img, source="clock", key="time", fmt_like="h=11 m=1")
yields h=8 m=21
